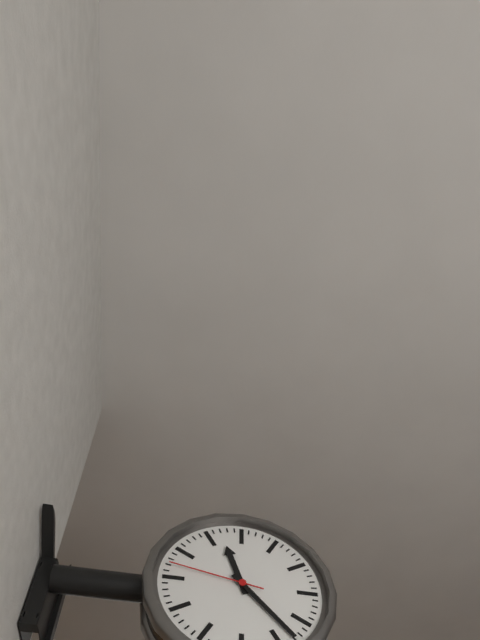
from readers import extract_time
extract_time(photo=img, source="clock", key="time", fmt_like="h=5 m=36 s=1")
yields h=11 m=23 s=47
